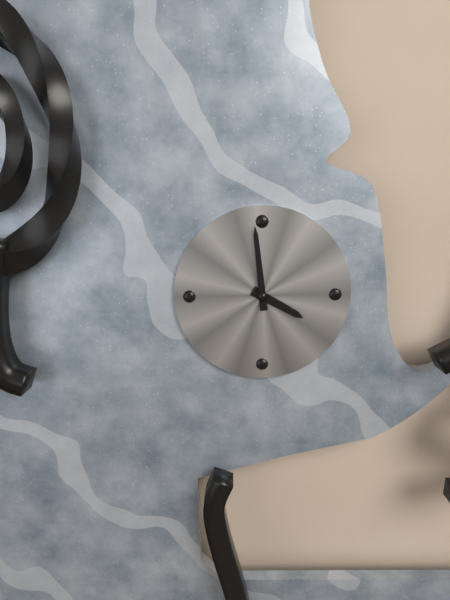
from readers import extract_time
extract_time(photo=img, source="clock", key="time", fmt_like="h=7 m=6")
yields h=3 m=59
